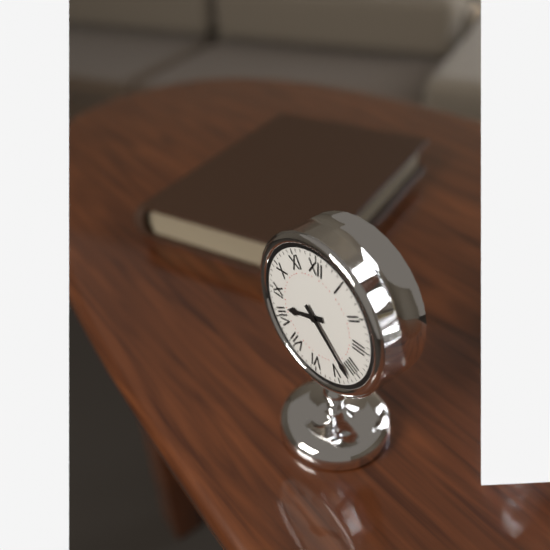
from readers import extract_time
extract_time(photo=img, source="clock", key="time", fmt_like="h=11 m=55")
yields h=8 m=22
